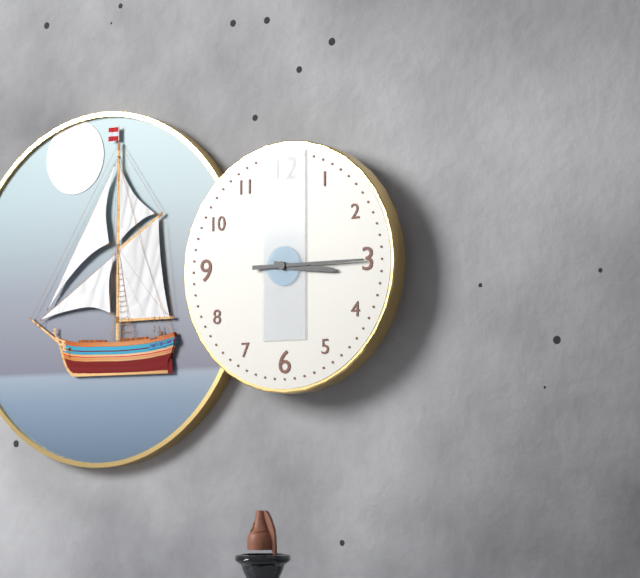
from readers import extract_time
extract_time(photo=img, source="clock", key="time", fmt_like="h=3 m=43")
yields h=3 m=15
